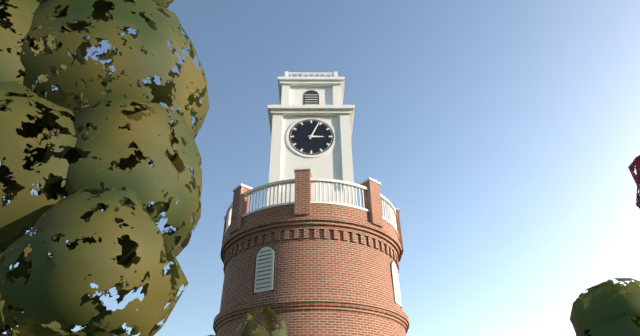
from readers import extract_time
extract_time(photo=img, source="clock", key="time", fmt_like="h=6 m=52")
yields h=3 m=4
